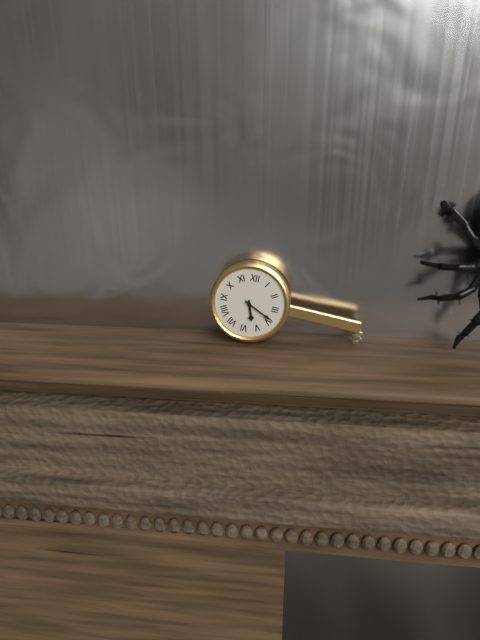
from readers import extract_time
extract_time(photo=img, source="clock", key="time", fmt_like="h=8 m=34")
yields h=5 m=19
